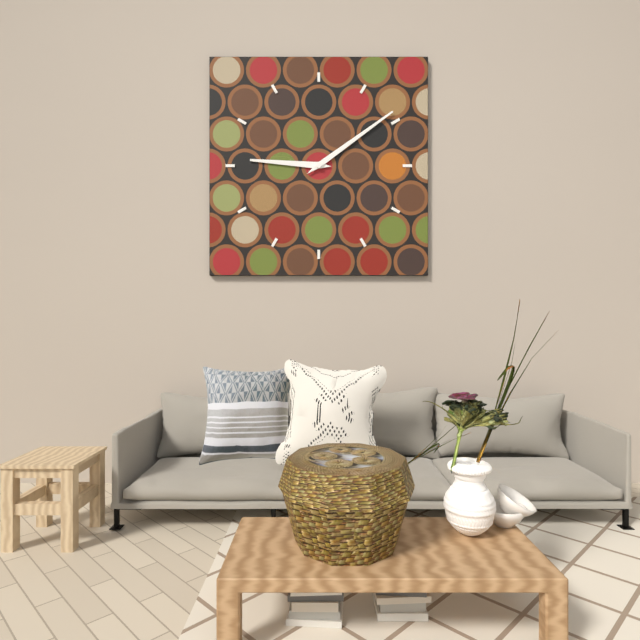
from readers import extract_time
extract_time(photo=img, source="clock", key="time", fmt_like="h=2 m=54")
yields h=9 m=9
